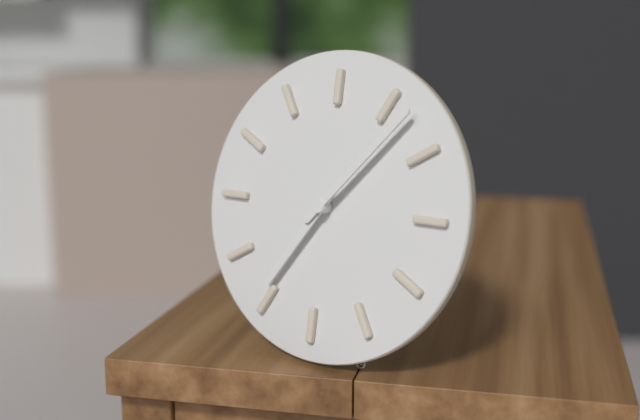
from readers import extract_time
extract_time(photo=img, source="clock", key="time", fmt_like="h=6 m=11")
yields h=7 m=7
